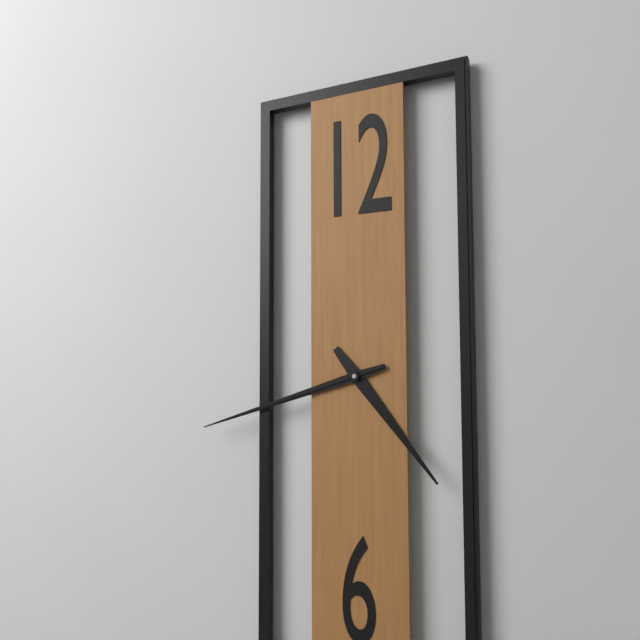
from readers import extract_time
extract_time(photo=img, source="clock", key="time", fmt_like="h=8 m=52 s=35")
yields h=4 m=42 s=42
